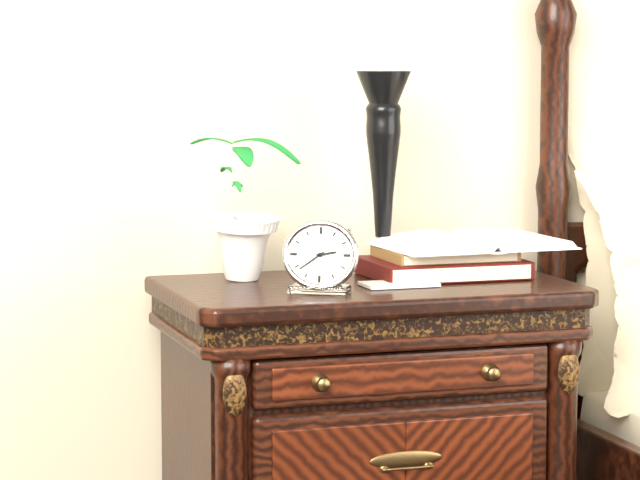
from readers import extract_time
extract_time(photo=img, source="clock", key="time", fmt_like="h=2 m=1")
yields h=2 m=39
